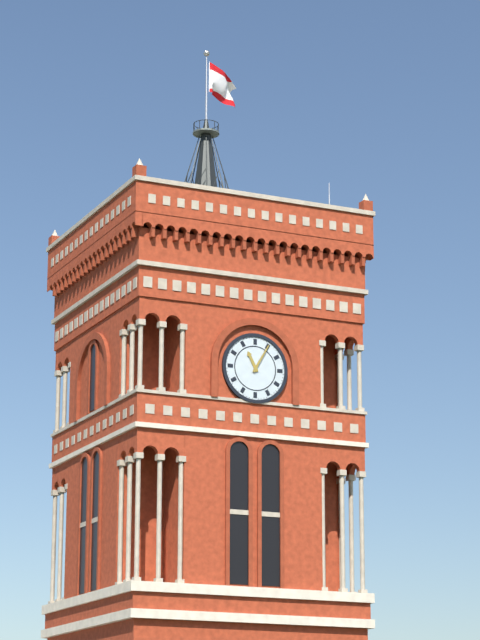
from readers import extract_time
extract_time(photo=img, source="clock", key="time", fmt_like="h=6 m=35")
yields h=11 m=5
